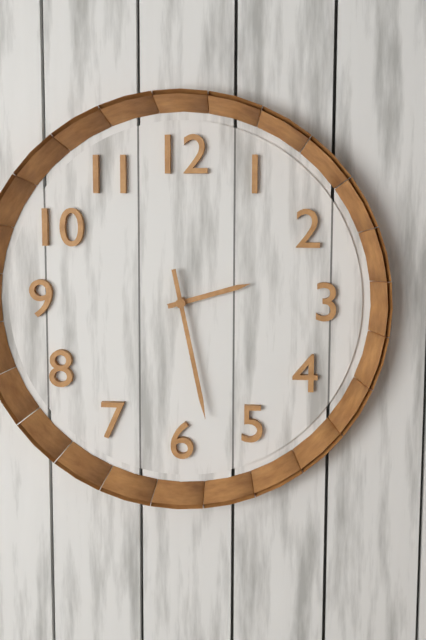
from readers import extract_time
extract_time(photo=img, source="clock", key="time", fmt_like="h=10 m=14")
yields h=2 m=28
